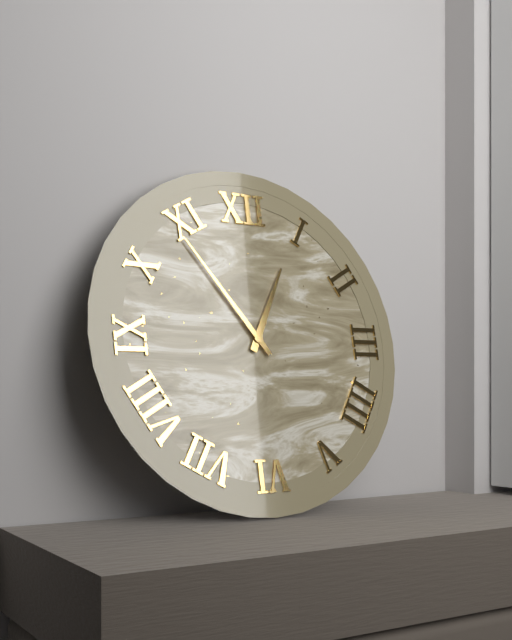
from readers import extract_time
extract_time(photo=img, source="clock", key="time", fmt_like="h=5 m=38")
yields h=12 m=54
